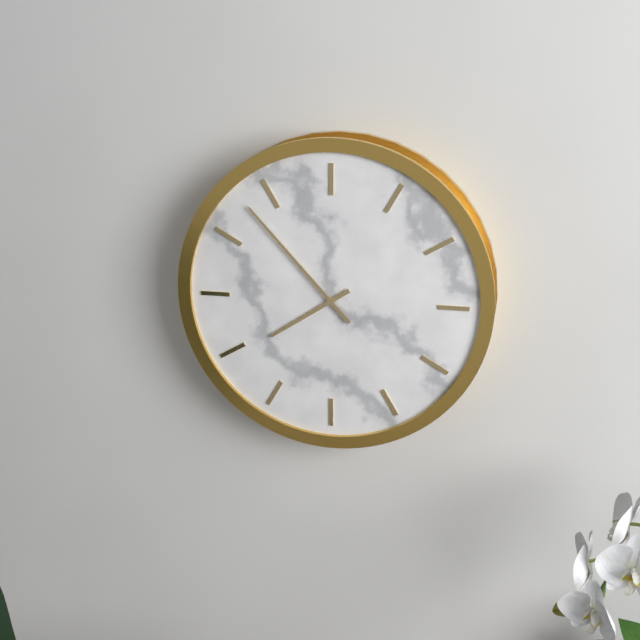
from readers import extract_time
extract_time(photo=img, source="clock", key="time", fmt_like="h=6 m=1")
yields h=7 m=53
